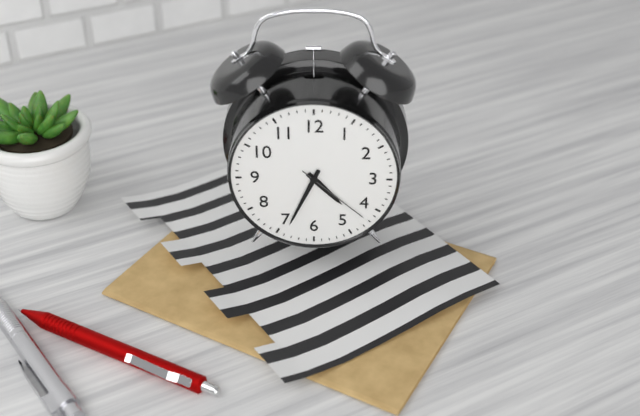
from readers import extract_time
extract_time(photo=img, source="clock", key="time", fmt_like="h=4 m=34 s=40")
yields h=4 m=34 s=22
